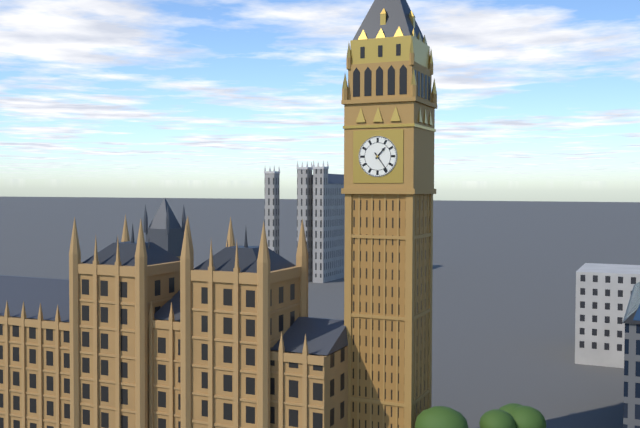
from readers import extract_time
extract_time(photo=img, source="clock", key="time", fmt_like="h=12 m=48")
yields h=1 m=24
